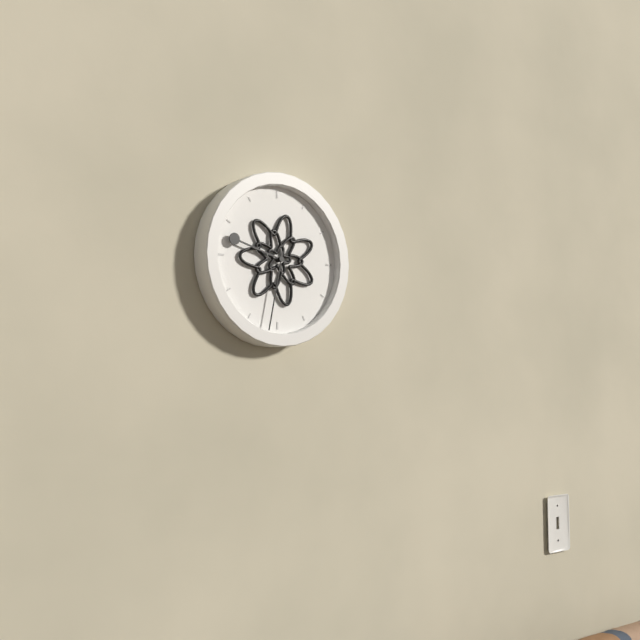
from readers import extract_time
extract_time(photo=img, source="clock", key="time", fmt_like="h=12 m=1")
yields h=9 m=32
